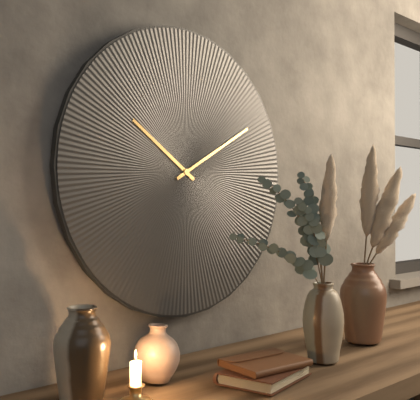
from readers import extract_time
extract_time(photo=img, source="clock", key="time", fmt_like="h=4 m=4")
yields h=10 m=10
